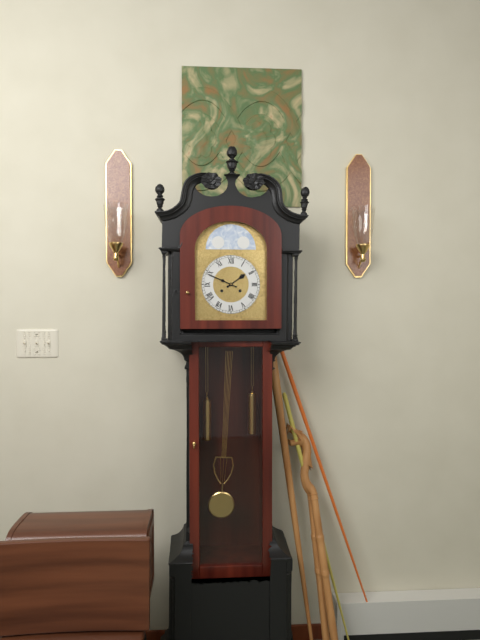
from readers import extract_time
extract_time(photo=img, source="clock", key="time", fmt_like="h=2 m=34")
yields h=1 m=49
